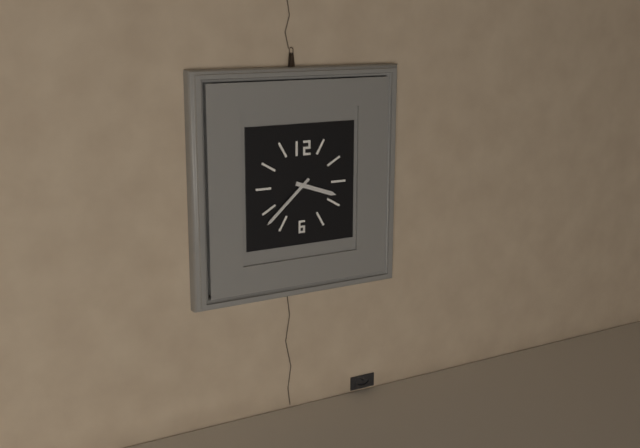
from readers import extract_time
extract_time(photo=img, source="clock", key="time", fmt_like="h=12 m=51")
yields h=3 m=38
